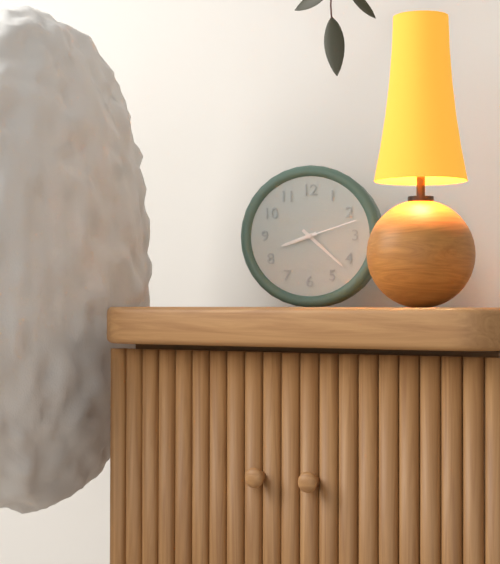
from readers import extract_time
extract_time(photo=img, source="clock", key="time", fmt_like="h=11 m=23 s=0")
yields h=8 m=22 s=12
